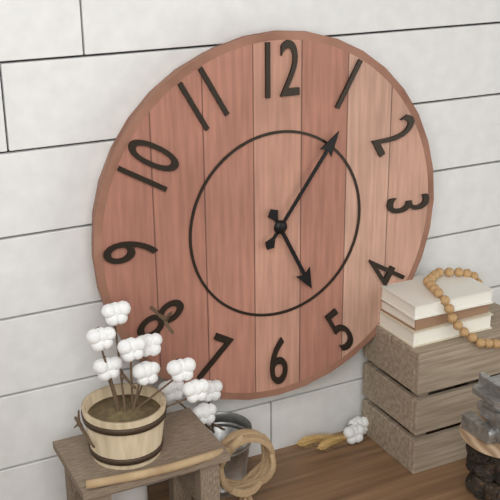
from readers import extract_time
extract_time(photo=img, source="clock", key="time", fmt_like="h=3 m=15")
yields h=5 m=6
